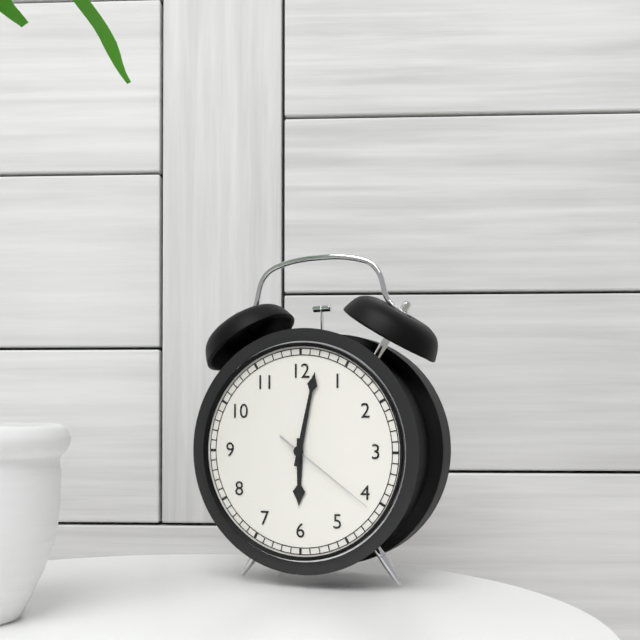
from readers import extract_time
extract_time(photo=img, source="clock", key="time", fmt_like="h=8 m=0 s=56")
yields h=6 m=2 s=21
